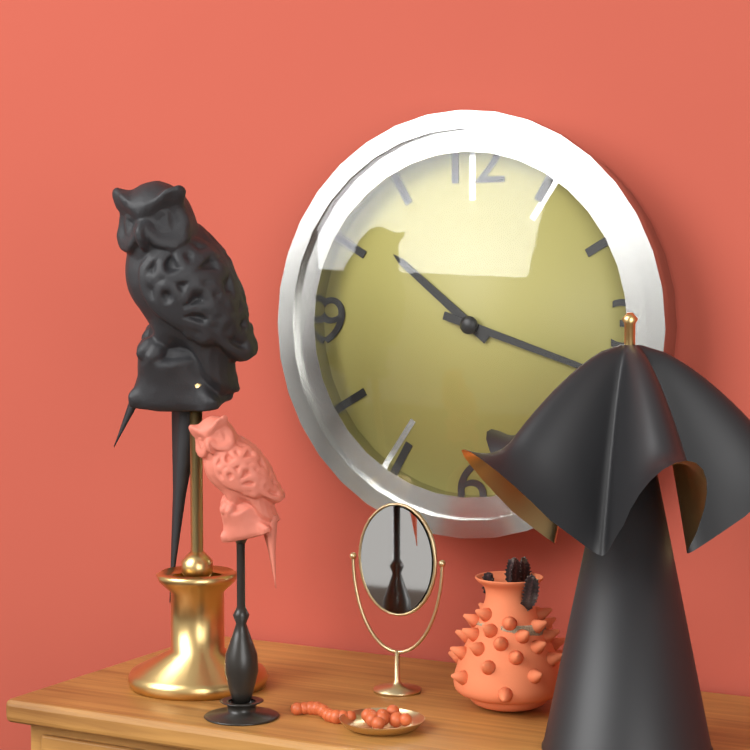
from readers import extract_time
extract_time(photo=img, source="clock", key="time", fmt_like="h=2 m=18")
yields h=10 m=18
